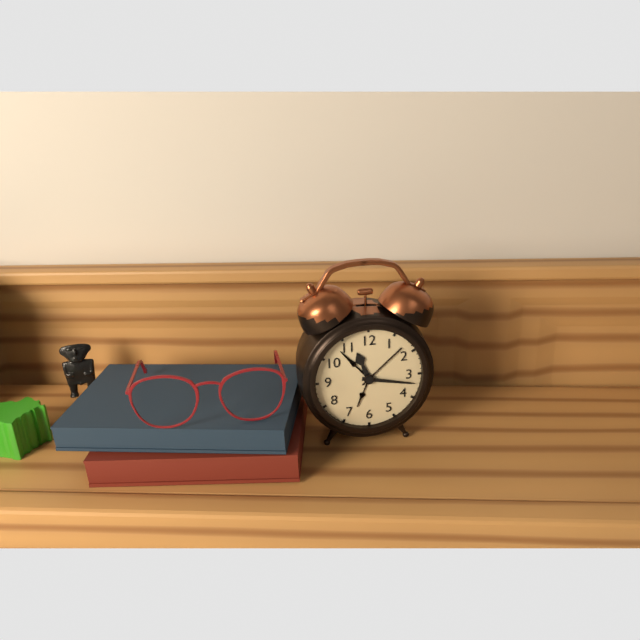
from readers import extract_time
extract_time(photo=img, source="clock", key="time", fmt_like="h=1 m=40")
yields h=11 m=17
